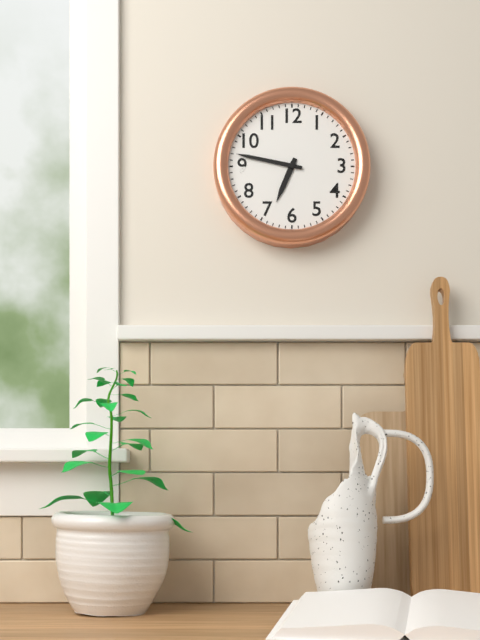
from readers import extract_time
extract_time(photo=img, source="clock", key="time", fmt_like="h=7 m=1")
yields h=6 m=47
